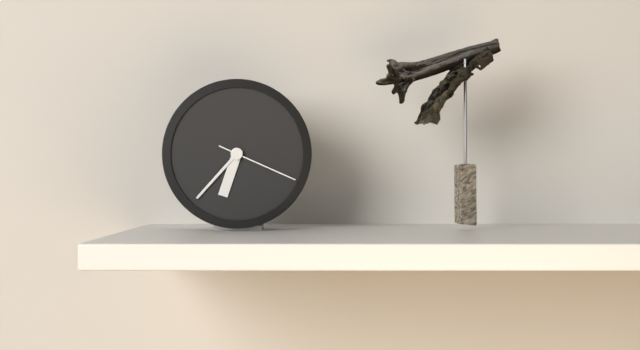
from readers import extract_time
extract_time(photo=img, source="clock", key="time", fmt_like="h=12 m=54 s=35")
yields h=6 m=37 s=19
